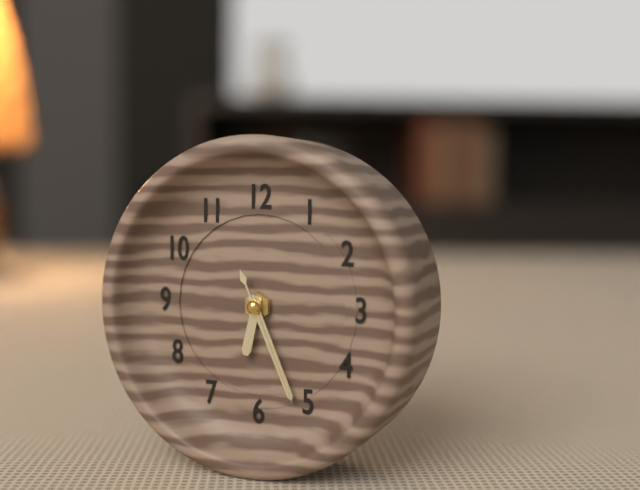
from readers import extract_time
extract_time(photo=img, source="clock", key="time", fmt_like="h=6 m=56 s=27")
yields h=6 m=26 s=26
